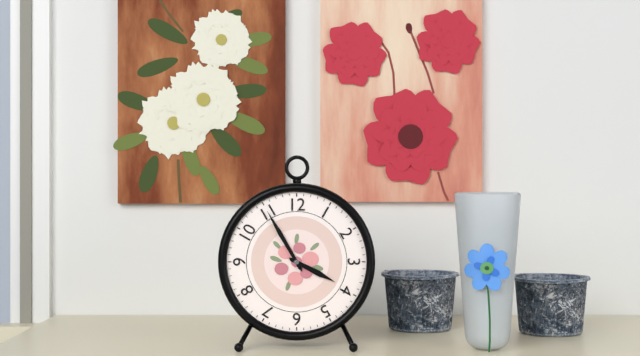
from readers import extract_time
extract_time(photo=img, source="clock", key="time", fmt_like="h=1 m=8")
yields h=3 m=55
